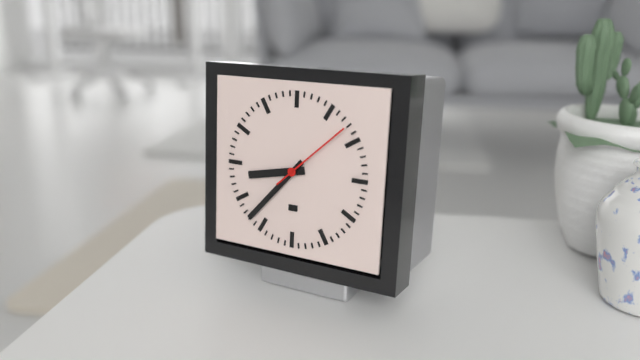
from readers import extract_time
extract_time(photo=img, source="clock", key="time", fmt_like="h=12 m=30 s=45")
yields h=8 m=37 s=8
